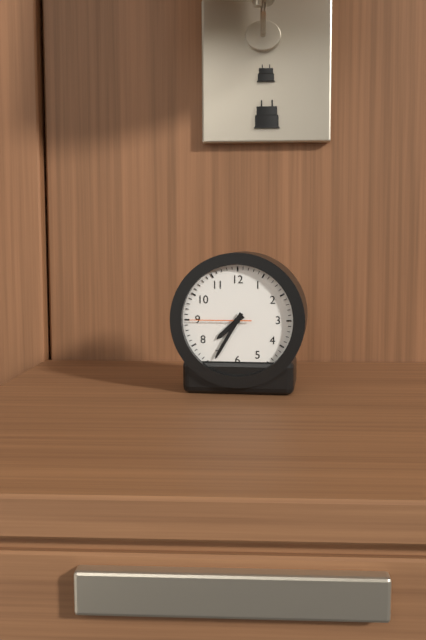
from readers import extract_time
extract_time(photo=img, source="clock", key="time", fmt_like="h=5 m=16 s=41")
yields h=7 m=35 s=45
